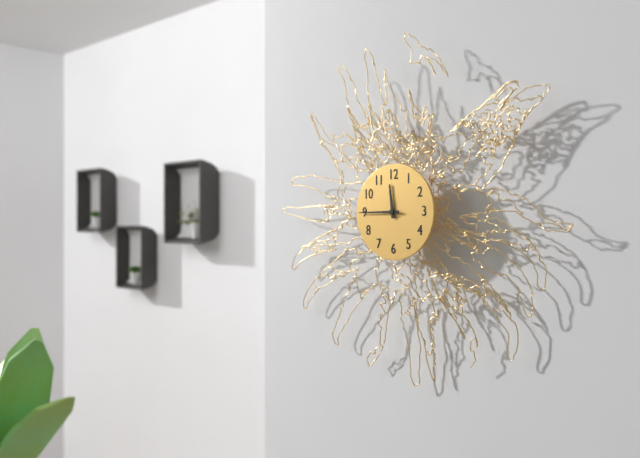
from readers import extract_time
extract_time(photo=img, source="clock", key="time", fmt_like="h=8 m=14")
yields h=11 m=45
